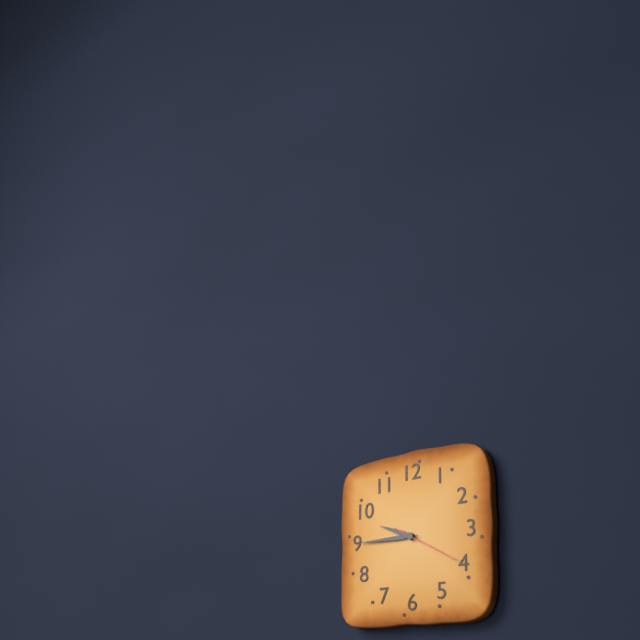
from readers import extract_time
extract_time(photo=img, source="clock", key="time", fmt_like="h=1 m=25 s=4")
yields h=9 m=45 s=20
